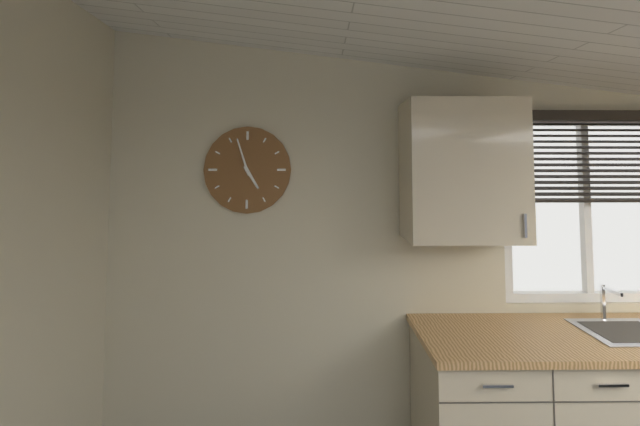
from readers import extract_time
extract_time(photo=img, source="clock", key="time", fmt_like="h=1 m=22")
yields h=4 m=57
